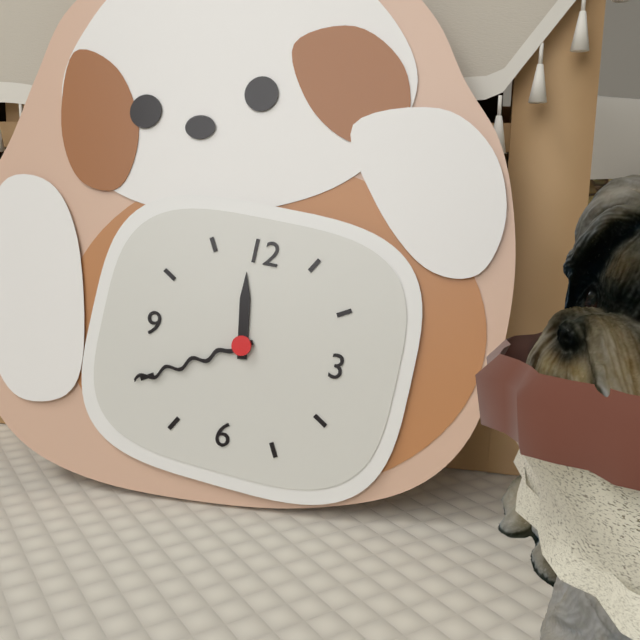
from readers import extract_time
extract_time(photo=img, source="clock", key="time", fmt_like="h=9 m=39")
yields h=11 m=40
